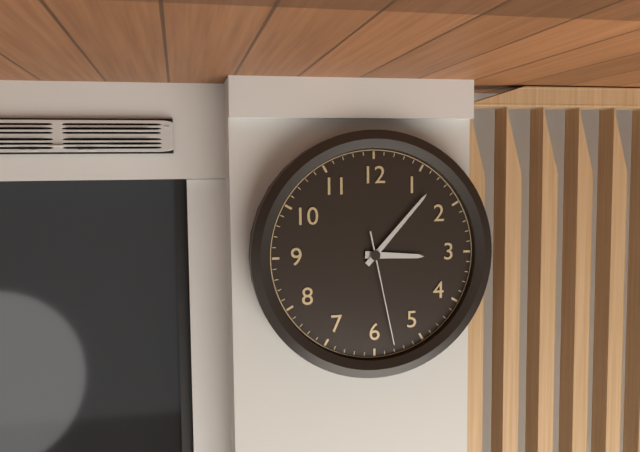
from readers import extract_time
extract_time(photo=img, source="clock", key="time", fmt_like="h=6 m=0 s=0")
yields h=3 m=7 s=28
